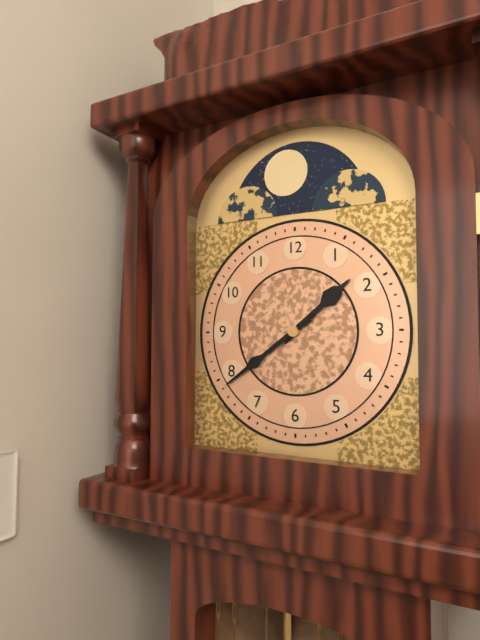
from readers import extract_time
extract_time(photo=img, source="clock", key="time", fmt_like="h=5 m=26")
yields h=1 m=39
